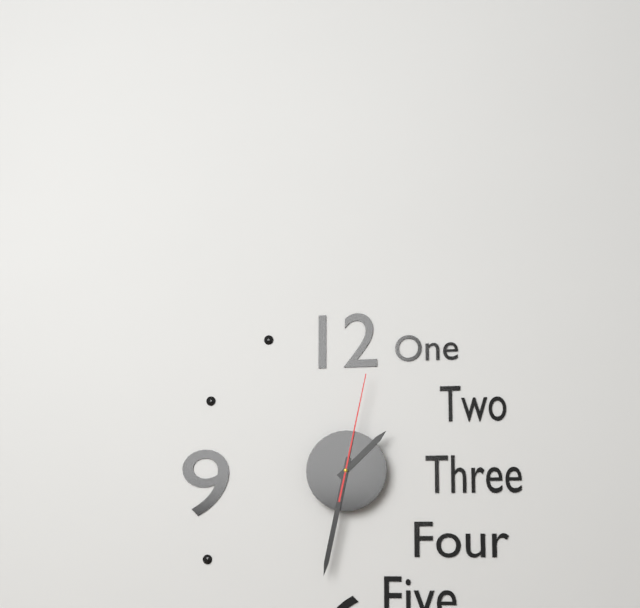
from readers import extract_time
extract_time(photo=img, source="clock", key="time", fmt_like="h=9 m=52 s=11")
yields h=1 m=32 s=2
